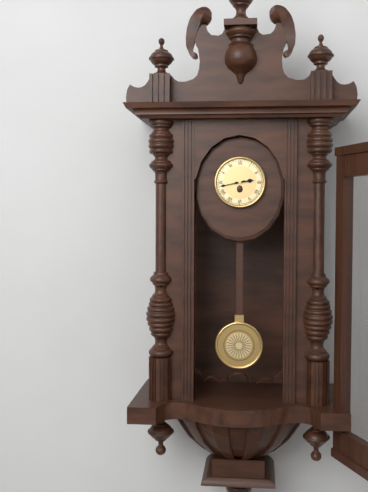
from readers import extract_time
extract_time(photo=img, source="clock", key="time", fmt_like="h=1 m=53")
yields h=2 m=43
